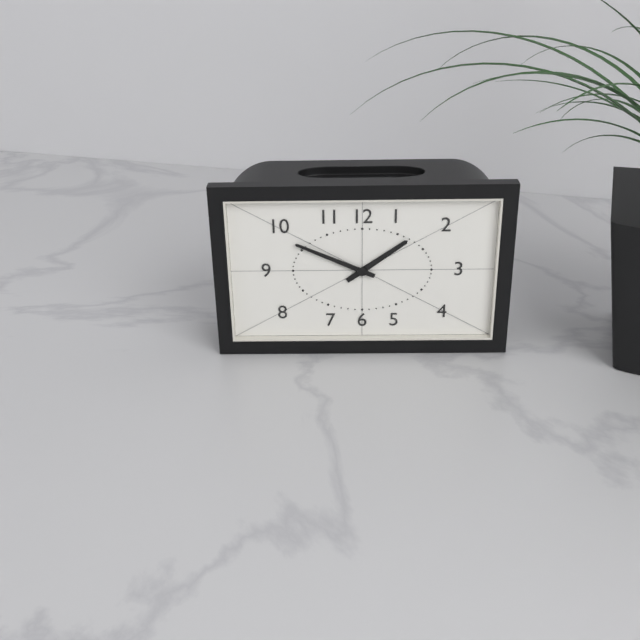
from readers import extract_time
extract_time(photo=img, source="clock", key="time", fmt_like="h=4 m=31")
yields h=1 m=49
